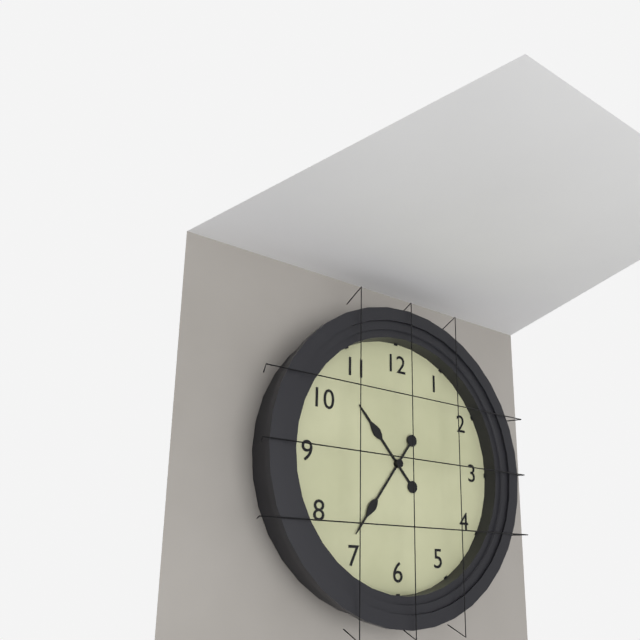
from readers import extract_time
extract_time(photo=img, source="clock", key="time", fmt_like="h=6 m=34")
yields h=10 m=36
